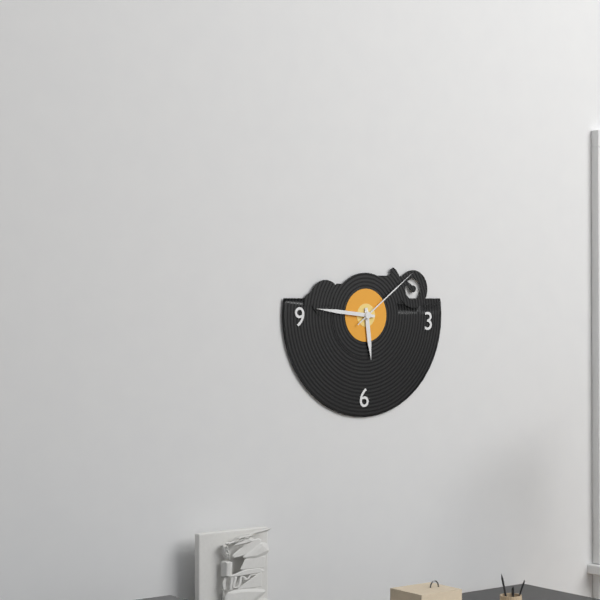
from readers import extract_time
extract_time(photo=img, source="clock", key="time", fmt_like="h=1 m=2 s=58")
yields h=5 m=46 s=9
